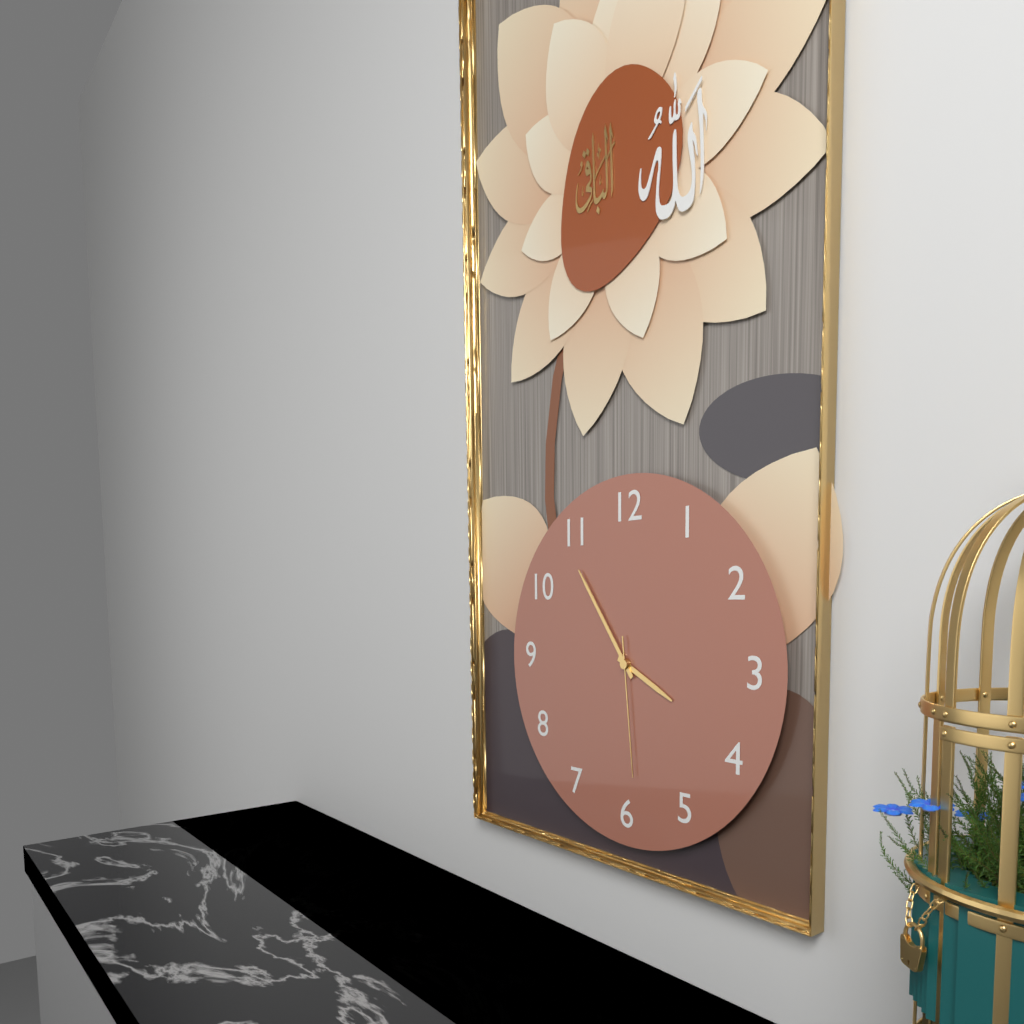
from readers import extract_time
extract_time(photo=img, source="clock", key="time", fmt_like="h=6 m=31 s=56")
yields h=3 m=54 s=29
